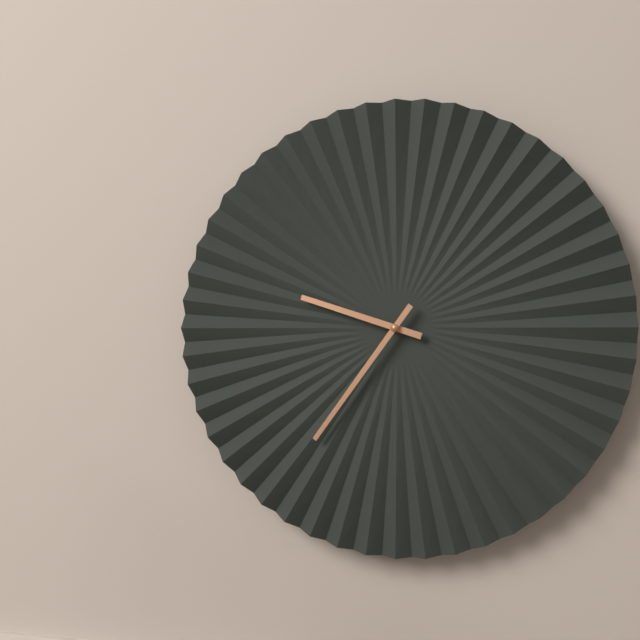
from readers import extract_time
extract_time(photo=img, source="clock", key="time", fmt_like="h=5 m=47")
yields h=9 m=36
